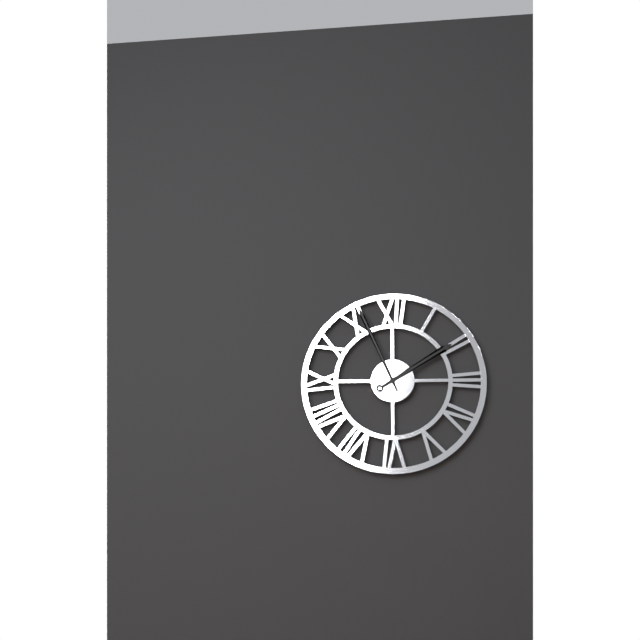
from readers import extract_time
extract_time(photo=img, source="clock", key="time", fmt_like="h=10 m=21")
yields h=1 m=56
